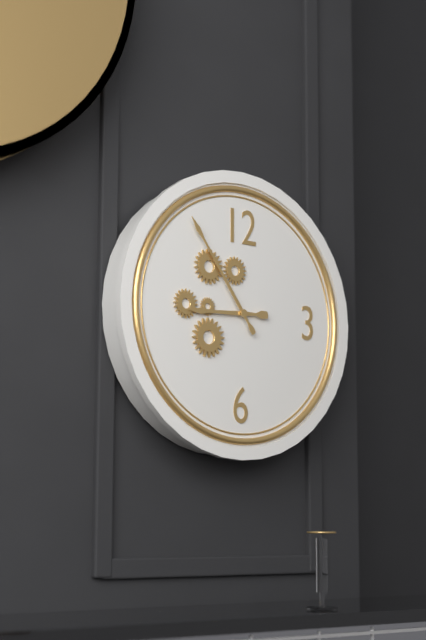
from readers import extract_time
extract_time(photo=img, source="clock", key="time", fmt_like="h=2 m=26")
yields h=8 m=54
